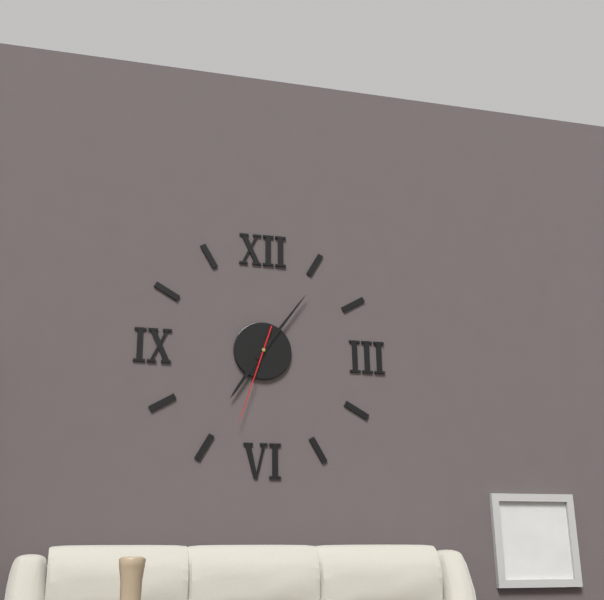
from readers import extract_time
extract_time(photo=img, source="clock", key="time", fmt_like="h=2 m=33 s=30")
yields h=7 m=6 s=33
